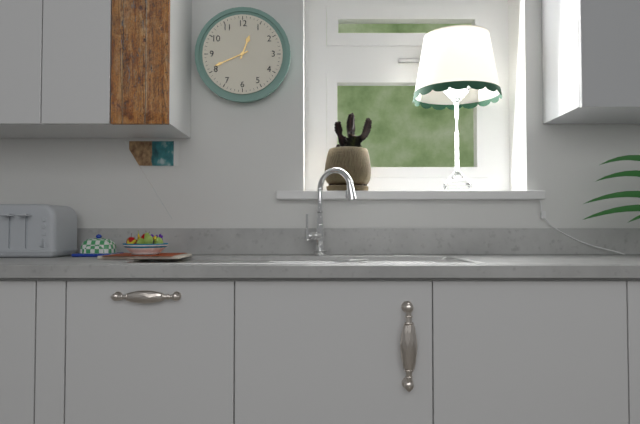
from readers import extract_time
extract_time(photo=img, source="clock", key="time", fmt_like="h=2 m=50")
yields h=12 m=41
